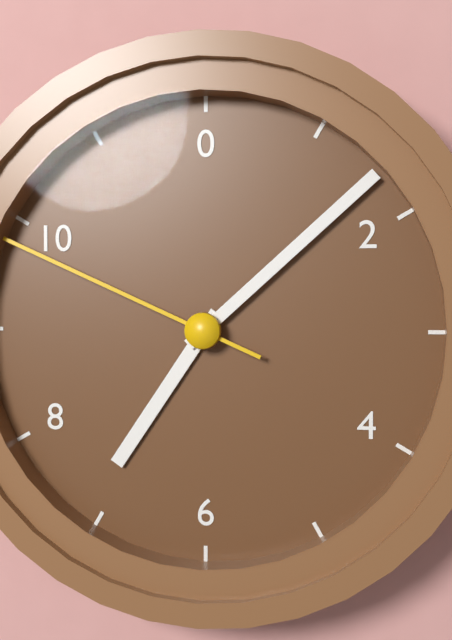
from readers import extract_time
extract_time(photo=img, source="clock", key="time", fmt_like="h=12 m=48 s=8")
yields h=7 m=8 s=49
